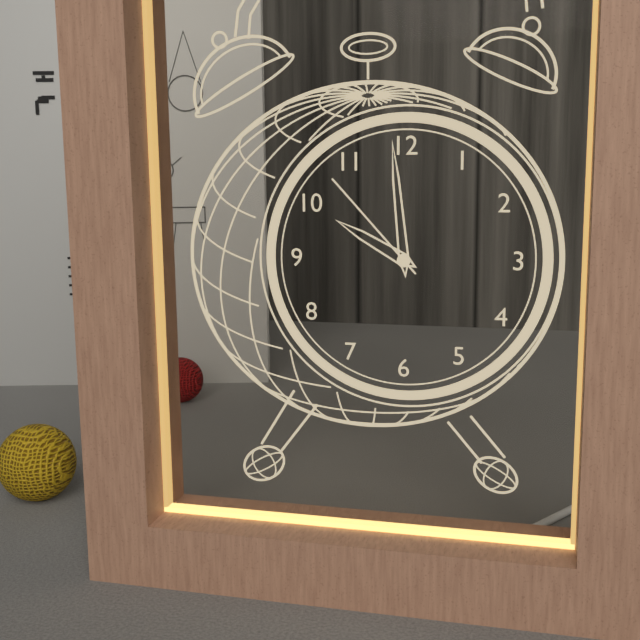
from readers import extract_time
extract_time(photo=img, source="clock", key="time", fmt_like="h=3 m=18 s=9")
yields h=9 m=59 s=53
